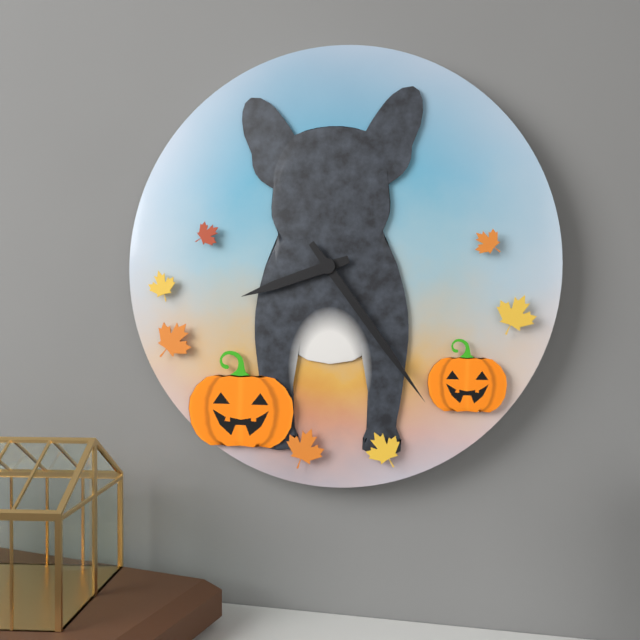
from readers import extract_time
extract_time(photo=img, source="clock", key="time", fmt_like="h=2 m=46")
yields h=8 m=24
